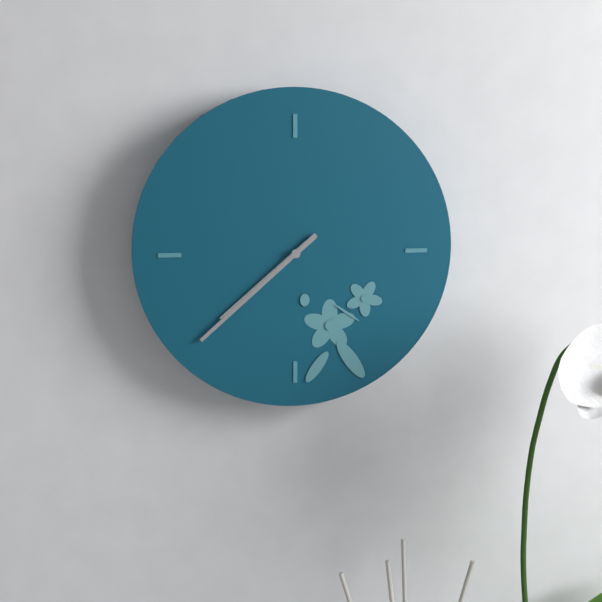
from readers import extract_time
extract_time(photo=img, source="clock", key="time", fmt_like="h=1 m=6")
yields h=7 m=38
